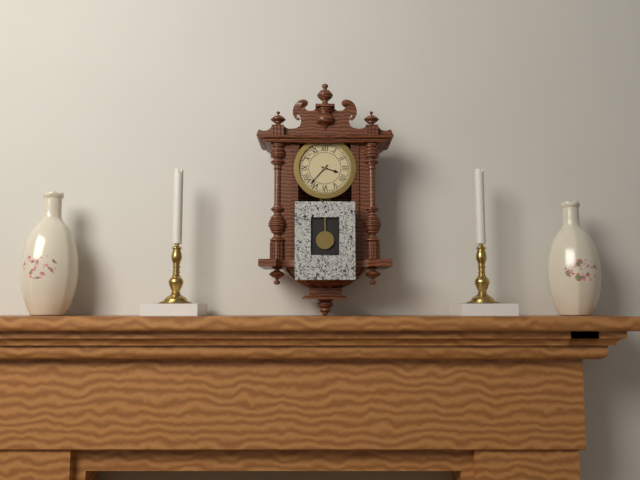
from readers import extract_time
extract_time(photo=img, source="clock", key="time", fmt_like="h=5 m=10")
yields h=3 m=37
